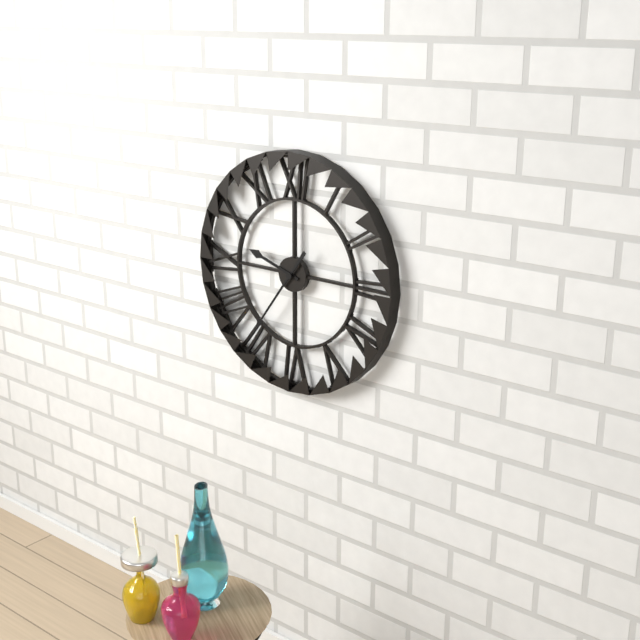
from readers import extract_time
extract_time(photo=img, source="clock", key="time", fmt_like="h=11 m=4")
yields h=9 m=36
